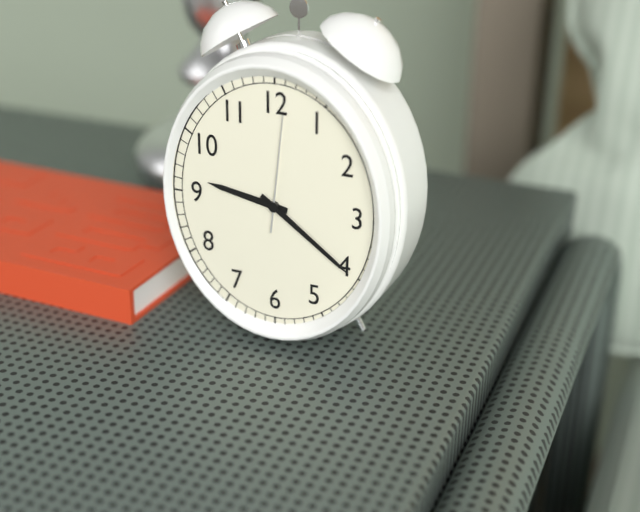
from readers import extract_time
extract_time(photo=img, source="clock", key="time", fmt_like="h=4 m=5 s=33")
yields h=9 m=21 s=1
